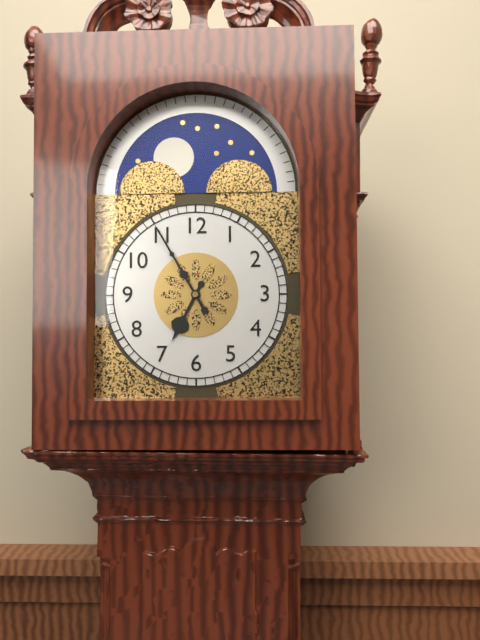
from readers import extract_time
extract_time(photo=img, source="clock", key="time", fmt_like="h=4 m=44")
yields h=6 m=55
